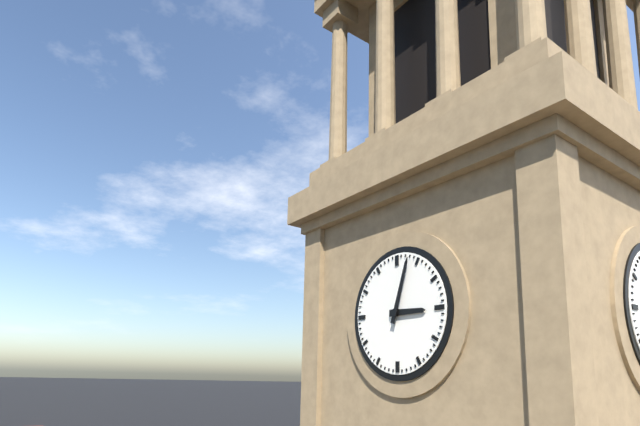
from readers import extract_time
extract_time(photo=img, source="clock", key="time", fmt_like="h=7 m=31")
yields h=3 m=3
